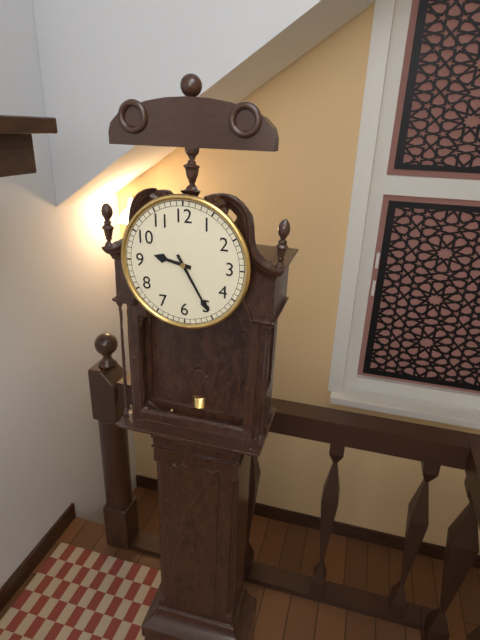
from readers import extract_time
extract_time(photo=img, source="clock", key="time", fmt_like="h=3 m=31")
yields h=9 m=25
